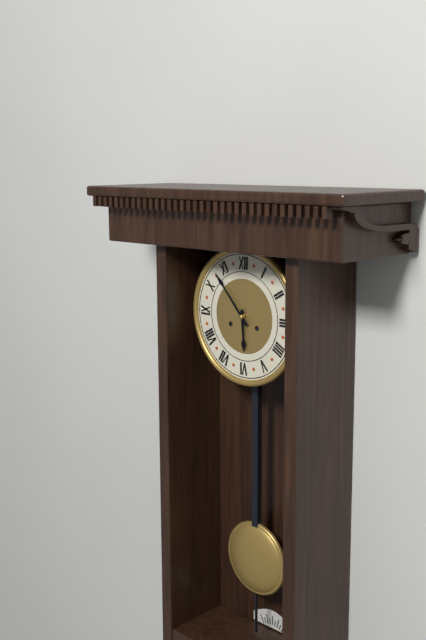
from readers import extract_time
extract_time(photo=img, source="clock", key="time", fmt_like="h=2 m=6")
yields h=5 m=53
